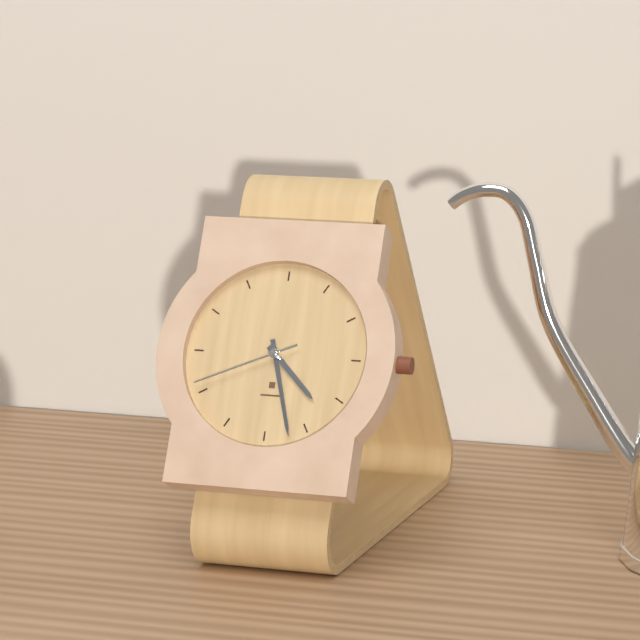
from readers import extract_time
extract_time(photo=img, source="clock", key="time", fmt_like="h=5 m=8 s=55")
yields h=4 m=27 s=41
